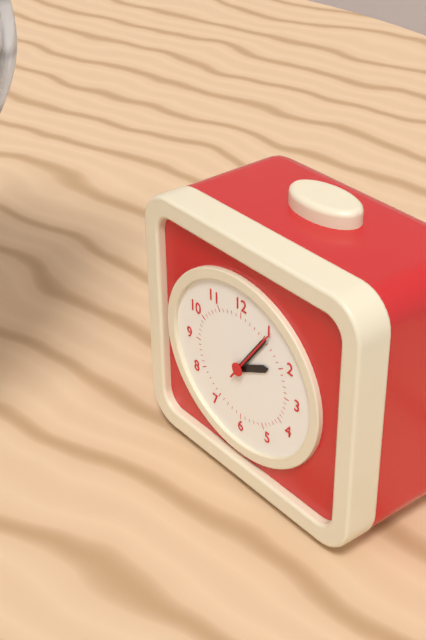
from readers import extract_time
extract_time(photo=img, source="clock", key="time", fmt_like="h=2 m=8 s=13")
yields h=2 m=6 s=6
